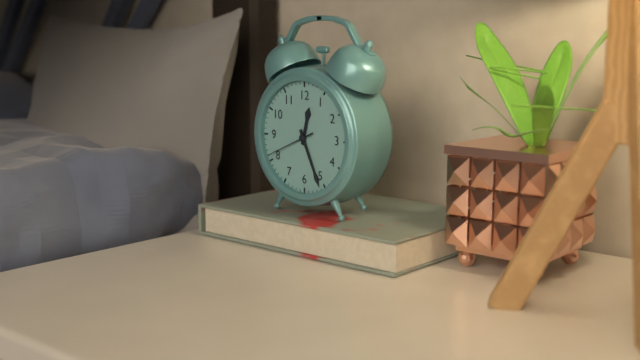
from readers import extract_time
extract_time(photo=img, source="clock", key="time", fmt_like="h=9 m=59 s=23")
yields h=12 m=26 s=41
